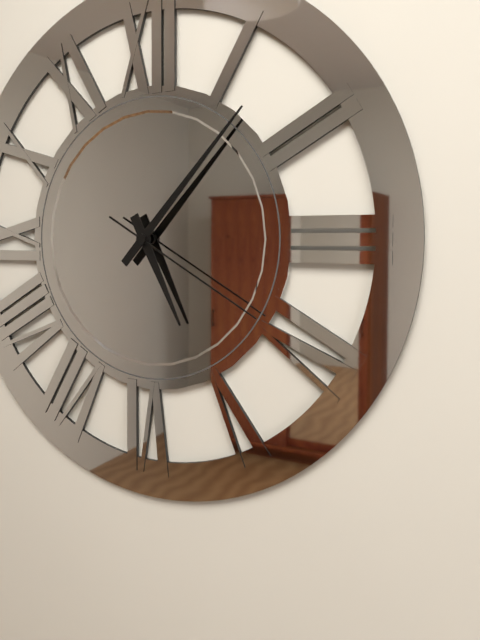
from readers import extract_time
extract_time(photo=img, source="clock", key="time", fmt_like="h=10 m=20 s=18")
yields h=5 m=7 s=20
